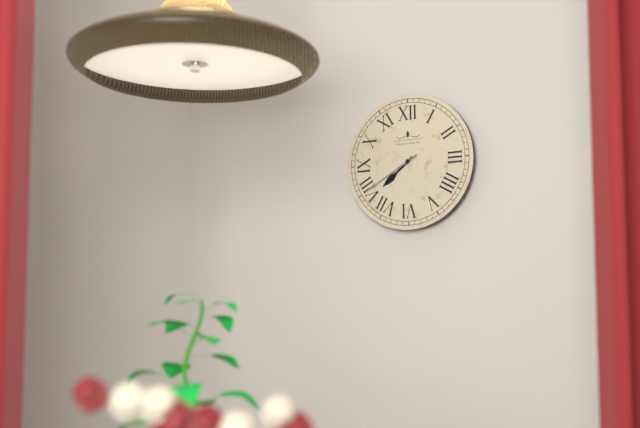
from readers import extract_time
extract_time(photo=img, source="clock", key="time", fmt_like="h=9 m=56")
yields h=7 m=40
